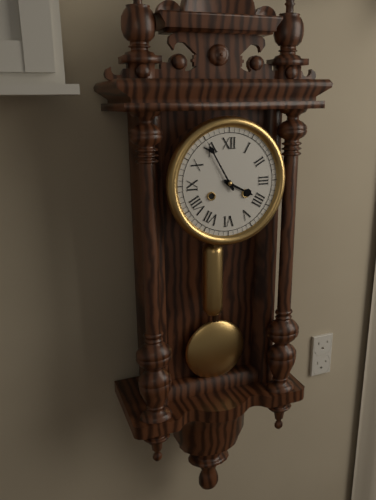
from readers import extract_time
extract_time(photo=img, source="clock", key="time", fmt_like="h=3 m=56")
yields h=3 m=55
